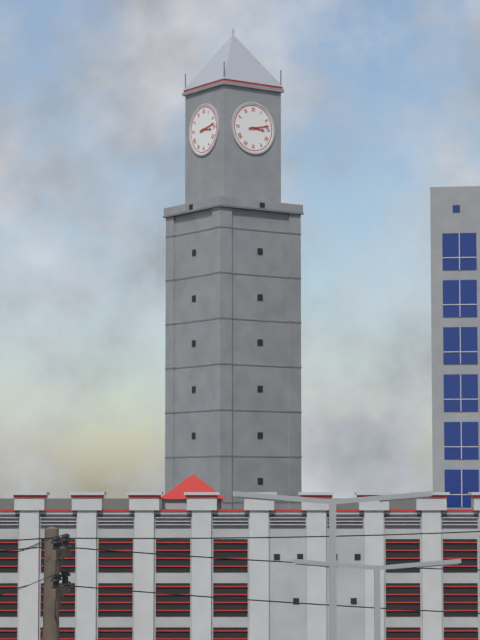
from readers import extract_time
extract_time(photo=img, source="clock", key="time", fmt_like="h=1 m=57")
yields h=3 m=13
